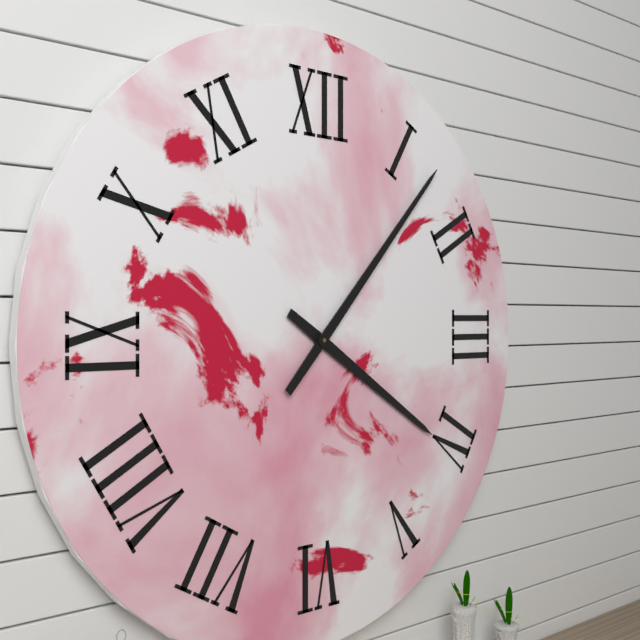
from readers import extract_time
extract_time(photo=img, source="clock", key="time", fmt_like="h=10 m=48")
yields h=4 m=7
